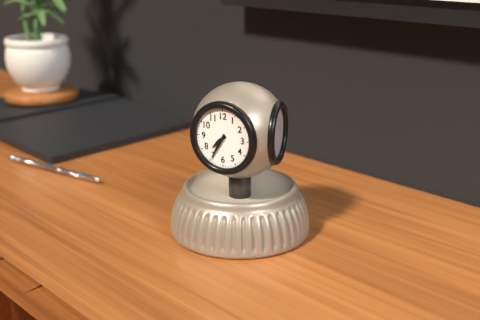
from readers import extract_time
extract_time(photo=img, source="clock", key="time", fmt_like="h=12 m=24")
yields h=7 m=35
